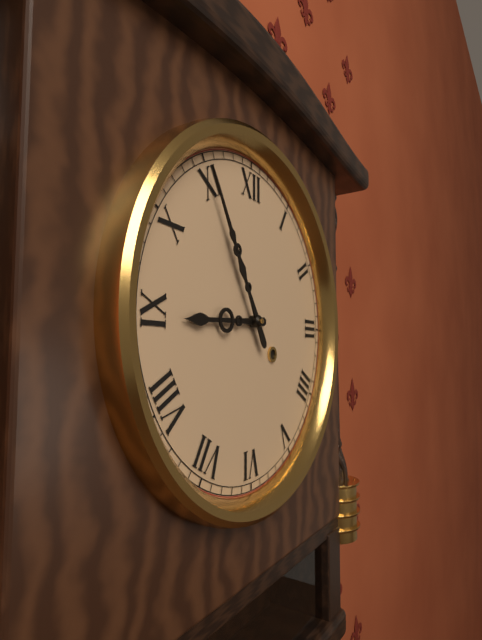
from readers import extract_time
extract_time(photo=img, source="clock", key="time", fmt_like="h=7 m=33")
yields h=8 m=55
